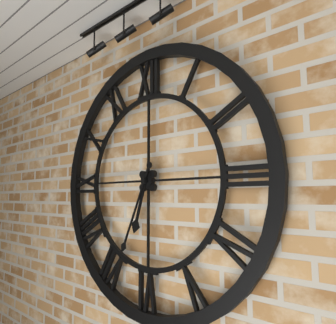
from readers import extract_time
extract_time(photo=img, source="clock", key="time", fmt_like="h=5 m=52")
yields h=6 m=34
